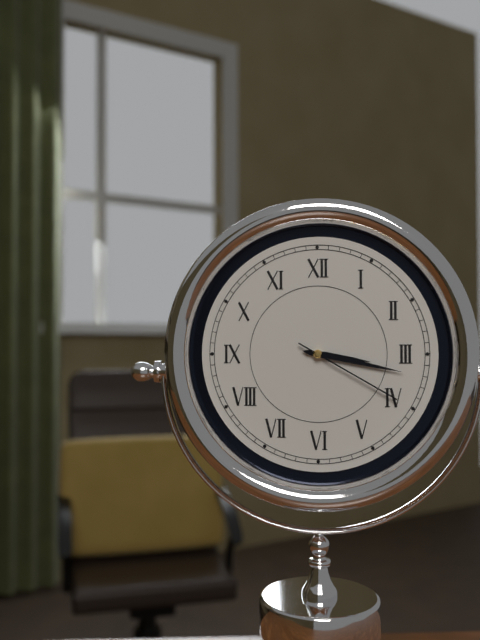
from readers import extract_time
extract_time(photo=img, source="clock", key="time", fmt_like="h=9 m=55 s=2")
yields h=3 m=17 s=20
